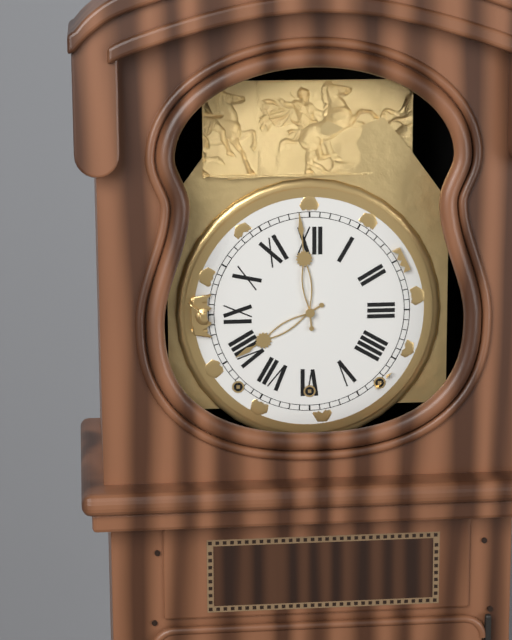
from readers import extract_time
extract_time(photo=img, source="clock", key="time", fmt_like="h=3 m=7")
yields h=7 m=59
